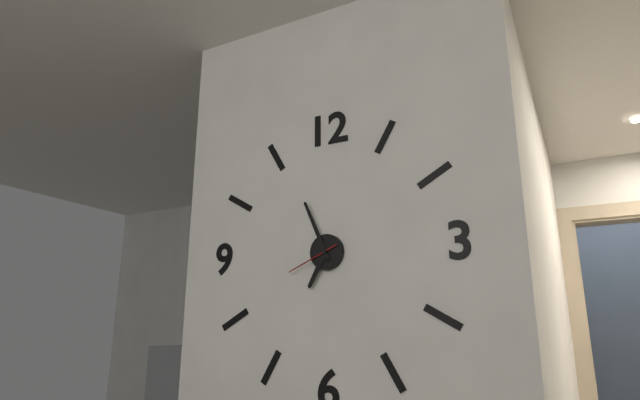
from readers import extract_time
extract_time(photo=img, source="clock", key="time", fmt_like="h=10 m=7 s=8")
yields h=6 m=56 s=41
